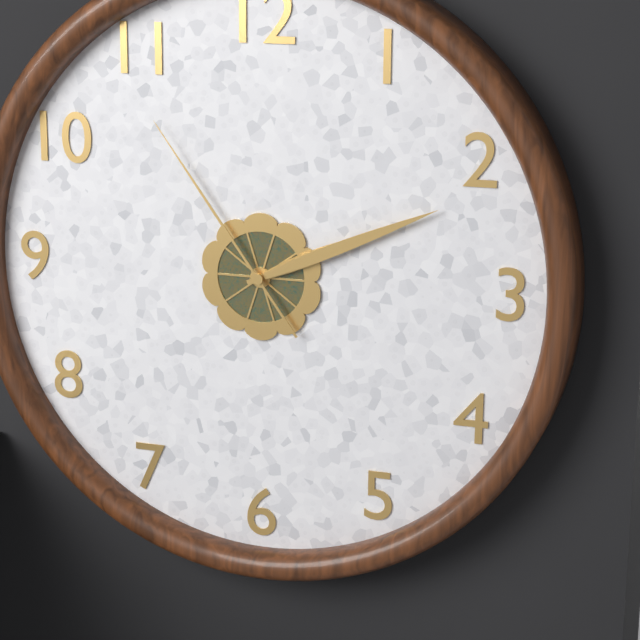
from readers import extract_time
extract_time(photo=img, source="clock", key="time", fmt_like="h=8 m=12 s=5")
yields h=2 m=11 s=54
